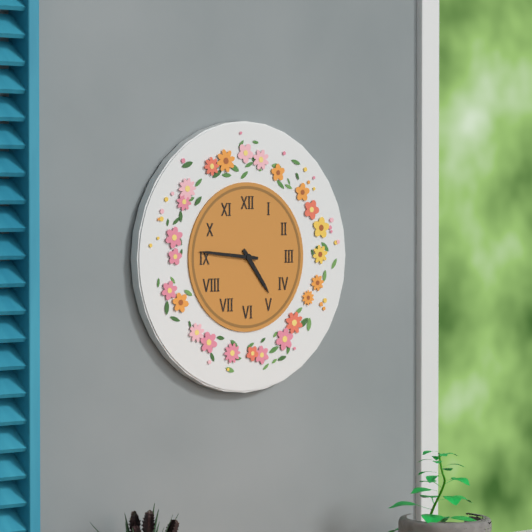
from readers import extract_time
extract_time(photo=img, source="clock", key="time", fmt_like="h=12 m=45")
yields h=4 m=46
